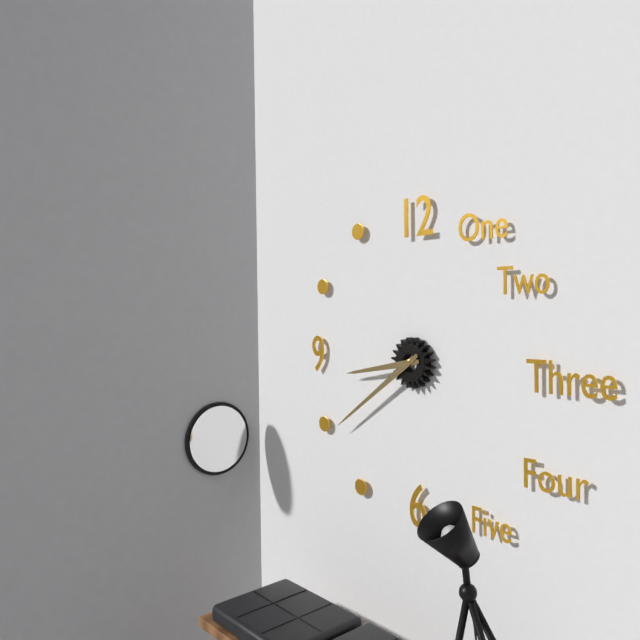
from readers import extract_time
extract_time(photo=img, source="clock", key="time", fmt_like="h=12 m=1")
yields h=8 m=39
